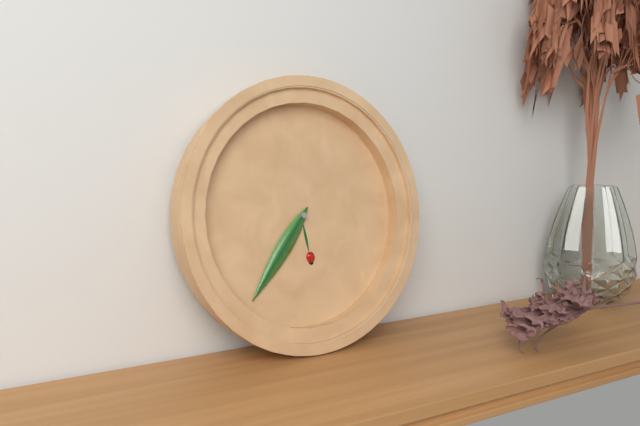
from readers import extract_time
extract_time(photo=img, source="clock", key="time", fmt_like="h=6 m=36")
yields h=5 m=36
